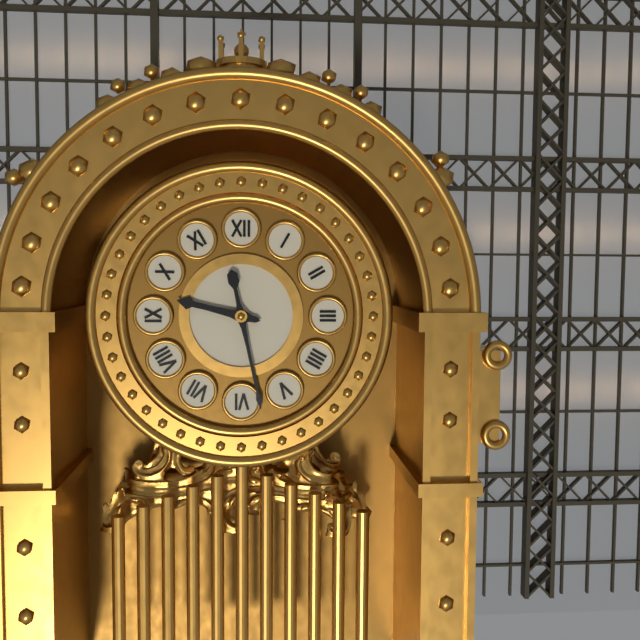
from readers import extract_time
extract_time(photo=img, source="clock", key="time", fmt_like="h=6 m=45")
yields h=9 m=28
